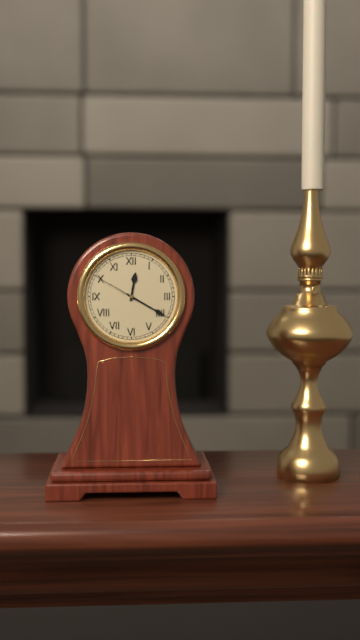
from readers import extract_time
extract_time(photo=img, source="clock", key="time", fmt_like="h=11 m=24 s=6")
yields h=12 m=20 s=50
